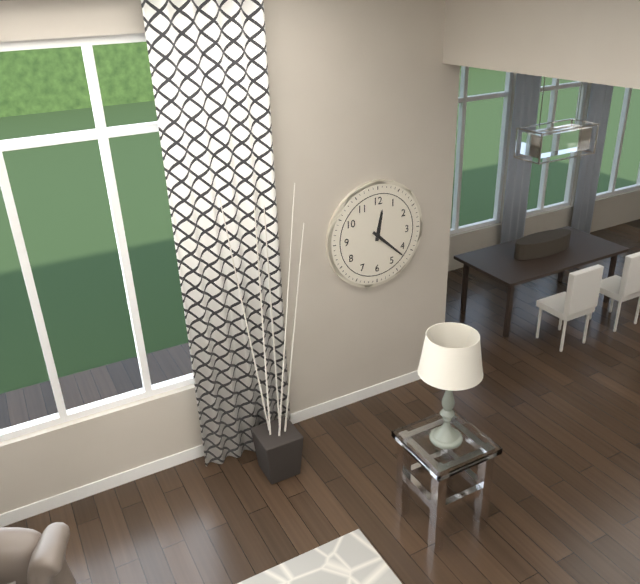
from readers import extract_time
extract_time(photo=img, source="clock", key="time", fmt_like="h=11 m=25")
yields h=12 m=22
